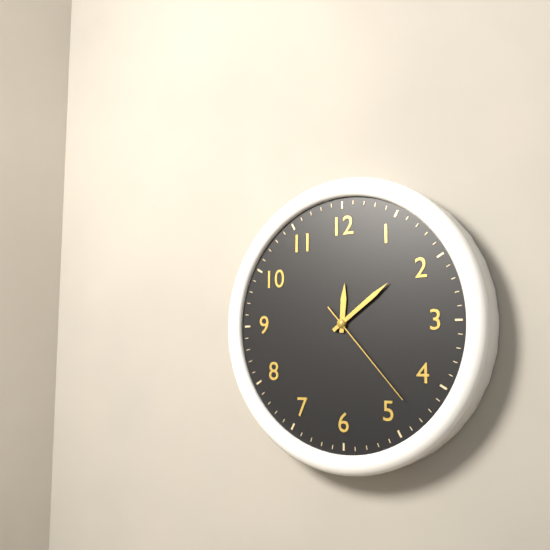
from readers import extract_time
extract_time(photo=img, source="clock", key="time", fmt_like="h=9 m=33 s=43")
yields h=12 m=9 s=23
